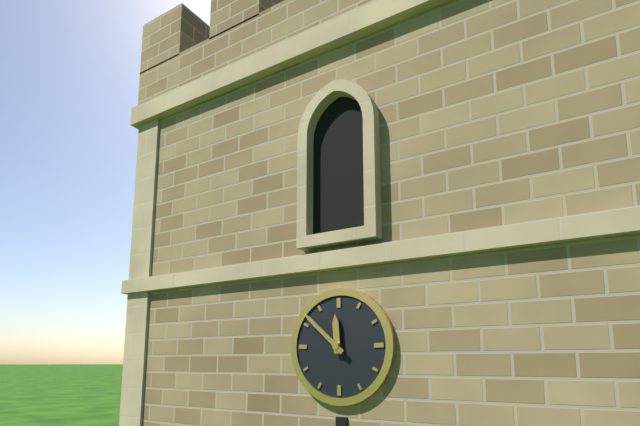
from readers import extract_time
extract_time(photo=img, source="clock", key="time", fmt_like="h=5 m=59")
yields h=11 m=52
